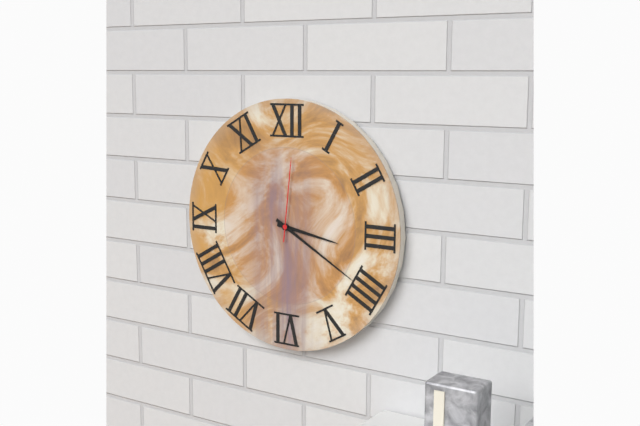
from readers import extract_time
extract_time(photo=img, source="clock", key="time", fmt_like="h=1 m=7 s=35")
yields h=3 m=20 s=1
